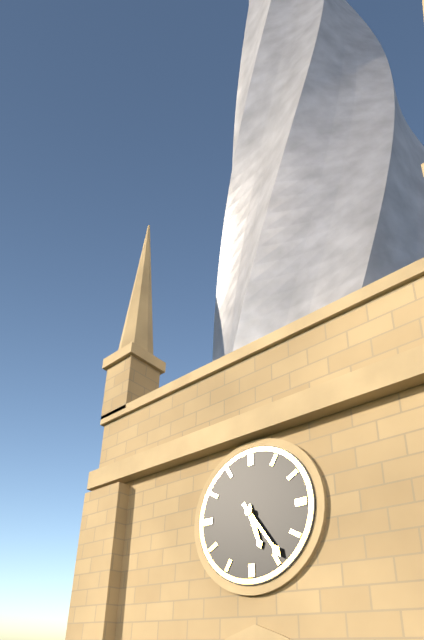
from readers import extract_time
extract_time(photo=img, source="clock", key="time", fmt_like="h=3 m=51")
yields h=5 m=24
